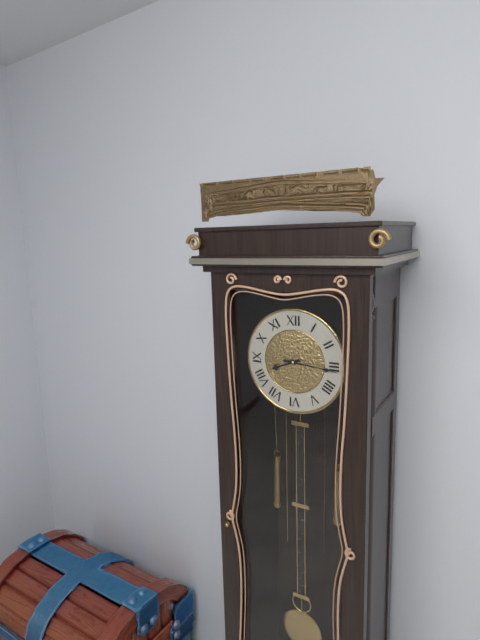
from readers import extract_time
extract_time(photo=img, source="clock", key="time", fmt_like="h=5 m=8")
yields h=8 m=16
